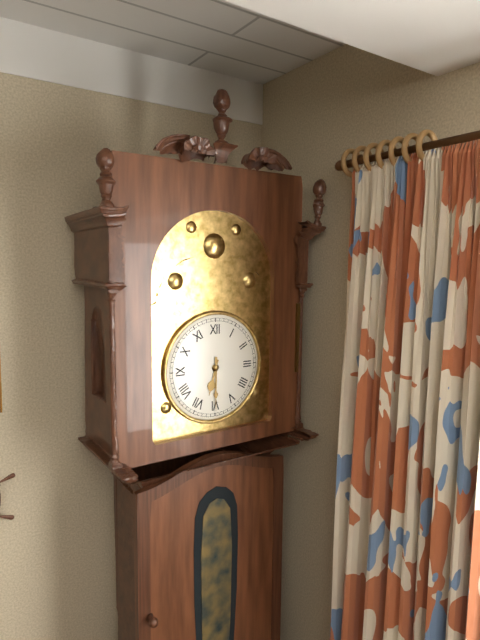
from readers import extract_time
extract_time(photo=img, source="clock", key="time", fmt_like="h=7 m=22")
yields h=6 m=30
